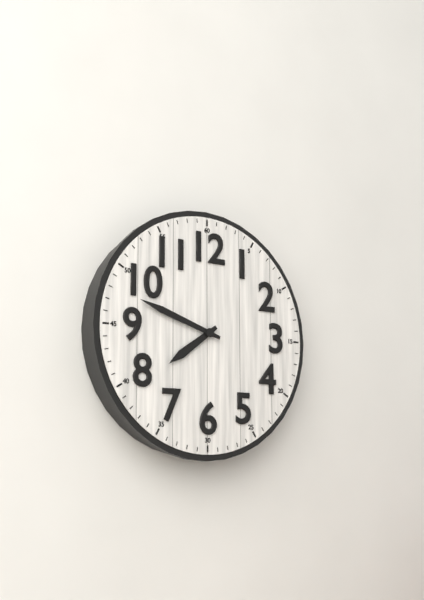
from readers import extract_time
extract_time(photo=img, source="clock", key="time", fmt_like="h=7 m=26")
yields h=7 m=48
